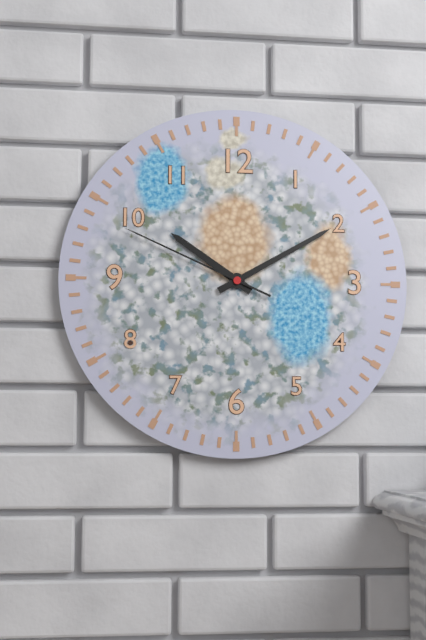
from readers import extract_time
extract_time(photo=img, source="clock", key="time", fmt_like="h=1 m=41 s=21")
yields h=10 m=10 s=49
